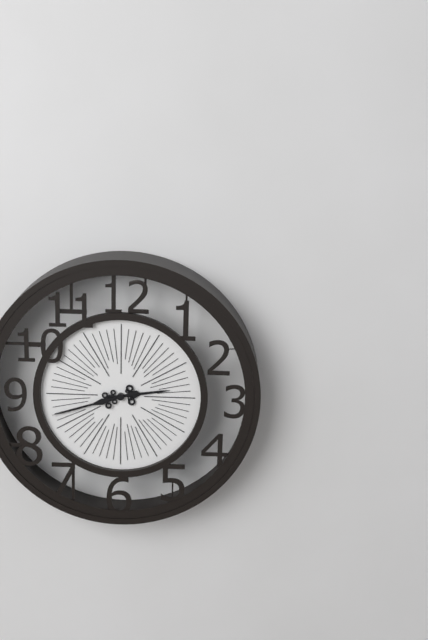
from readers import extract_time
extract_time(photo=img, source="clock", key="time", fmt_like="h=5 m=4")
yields h=2 m=42
